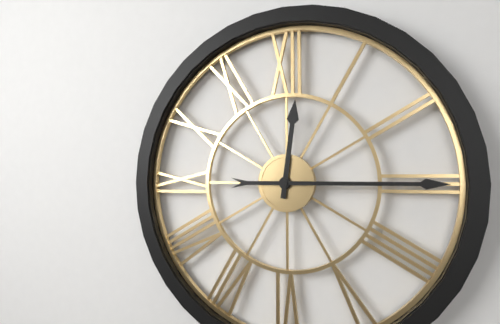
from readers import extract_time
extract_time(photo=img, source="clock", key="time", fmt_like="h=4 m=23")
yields h=12 m=15
